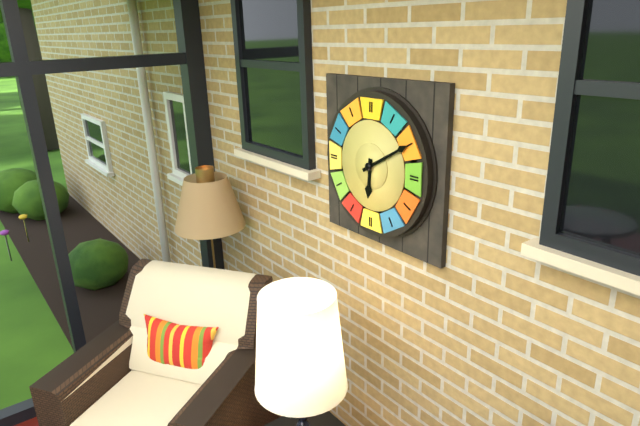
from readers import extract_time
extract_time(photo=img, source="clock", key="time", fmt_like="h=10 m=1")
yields h=6 m=10
